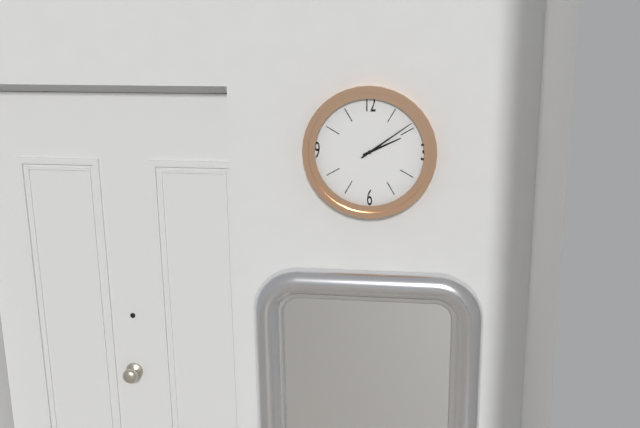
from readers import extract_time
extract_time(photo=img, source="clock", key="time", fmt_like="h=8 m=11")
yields h=2 m=9
